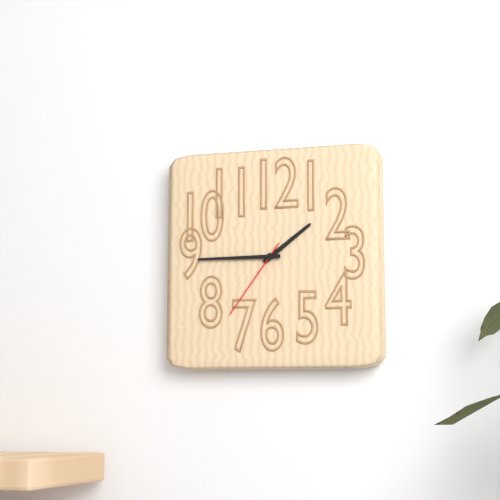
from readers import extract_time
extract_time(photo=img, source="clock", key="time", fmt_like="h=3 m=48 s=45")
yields h=1 m=45 s=36
